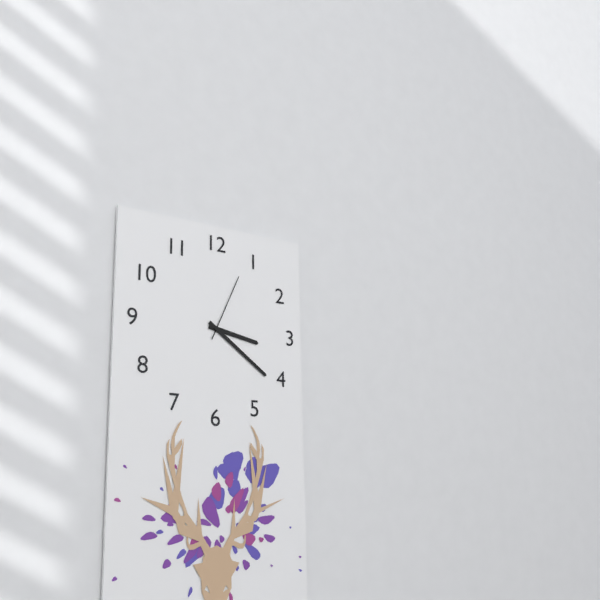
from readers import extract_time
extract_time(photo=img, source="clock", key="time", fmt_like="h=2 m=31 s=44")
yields h=3 m=21 s=4
